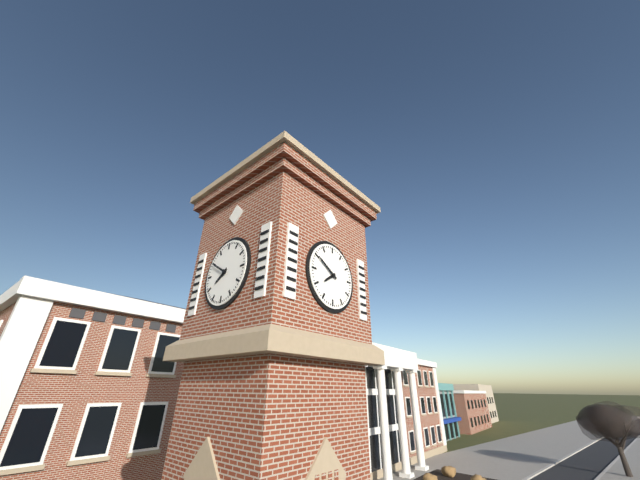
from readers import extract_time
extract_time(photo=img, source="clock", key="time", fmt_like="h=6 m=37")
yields h=7 m=50
